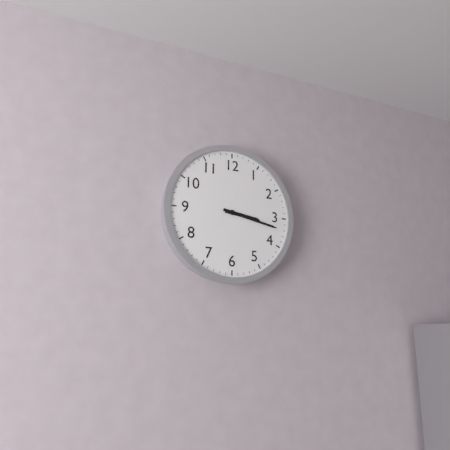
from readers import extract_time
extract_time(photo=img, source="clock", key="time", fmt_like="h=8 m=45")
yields h=3 m=17
